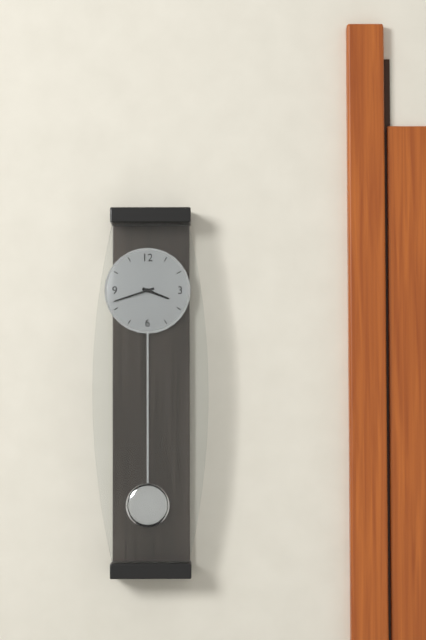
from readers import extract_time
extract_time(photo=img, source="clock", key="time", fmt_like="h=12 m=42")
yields h=3 m=42
